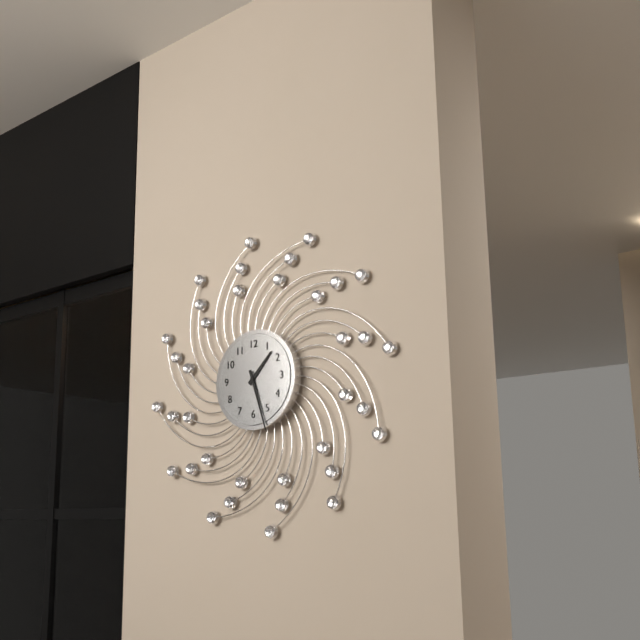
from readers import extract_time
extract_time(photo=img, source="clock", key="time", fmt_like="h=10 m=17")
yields h=1 m=27
